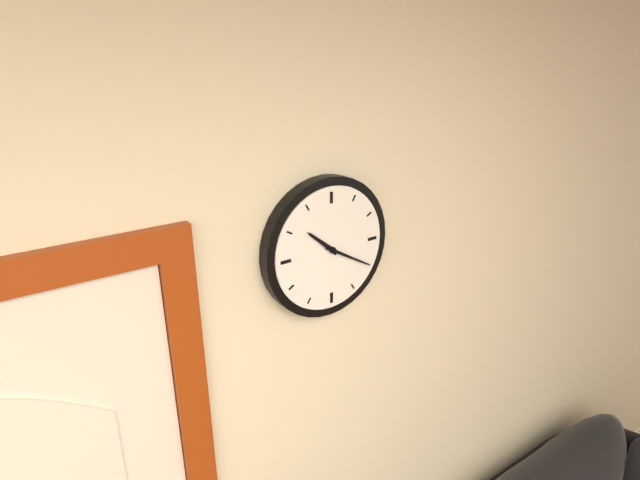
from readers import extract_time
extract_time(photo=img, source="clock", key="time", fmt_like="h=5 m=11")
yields h=10 m=20
